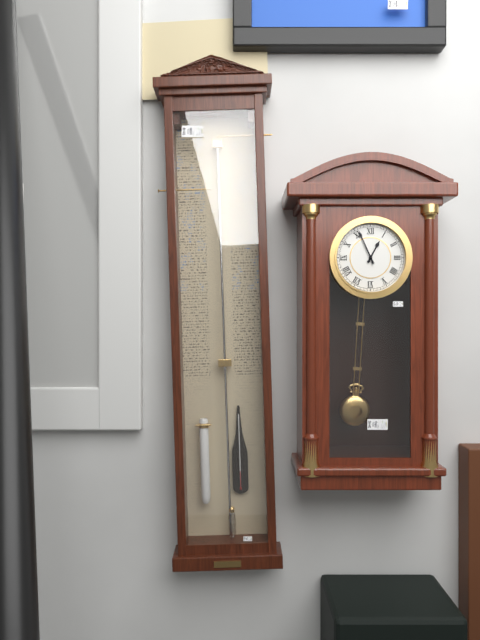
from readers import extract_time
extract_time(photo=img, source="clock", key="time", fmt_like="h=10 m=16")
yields h=12 m=56
